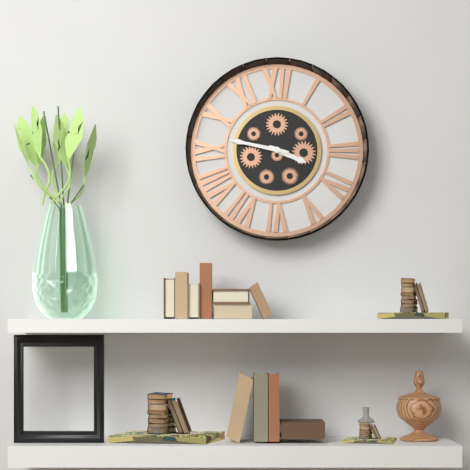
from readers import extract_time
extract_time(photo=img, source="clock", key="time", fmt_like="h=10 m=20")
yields h=3 m=47
